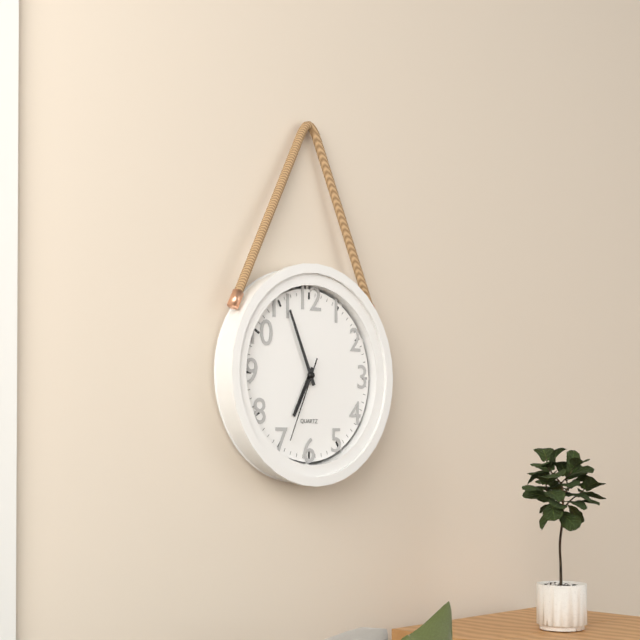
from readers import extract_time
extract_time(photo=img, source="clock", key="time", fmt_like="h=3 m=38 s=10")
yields h=6 m=56 s=34
